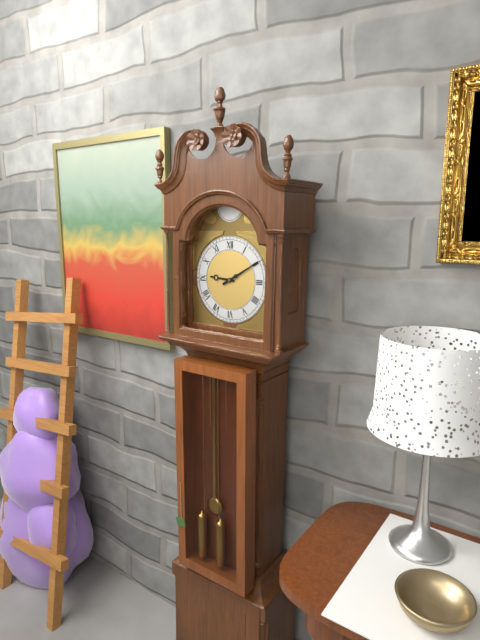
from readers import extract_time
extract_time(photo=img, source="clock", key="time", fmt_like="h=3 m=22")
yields h=9 m=10
